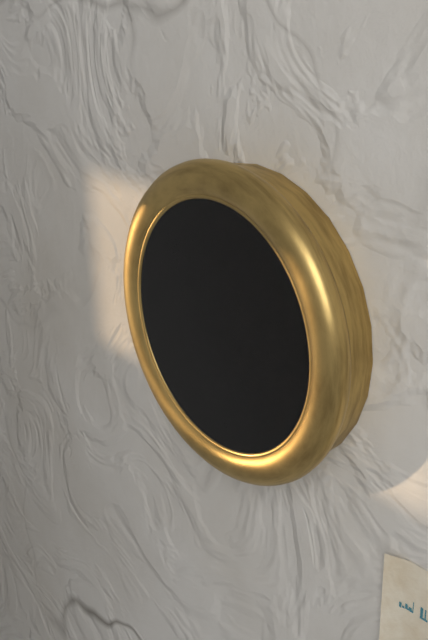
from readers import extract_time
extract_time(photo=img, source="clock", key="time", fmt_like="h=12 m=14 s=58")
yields h=6 m=36 s=29
